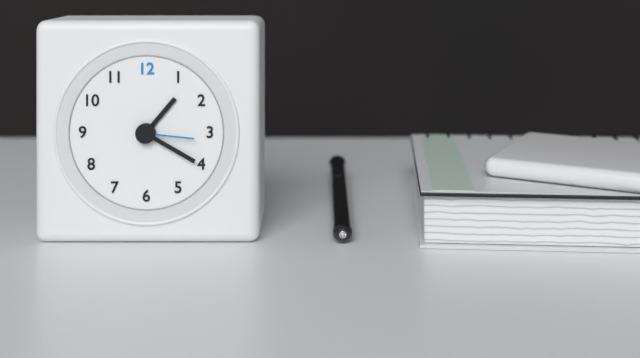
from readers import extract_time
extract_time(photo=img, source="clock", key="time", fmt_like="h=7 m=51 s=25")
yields h=1 m=20 s=16
